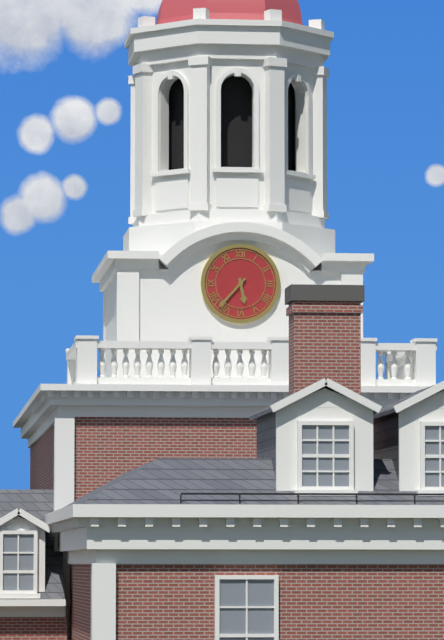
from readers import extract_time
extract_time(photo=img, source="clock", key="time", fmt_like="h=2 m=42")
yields h=5 m=37
